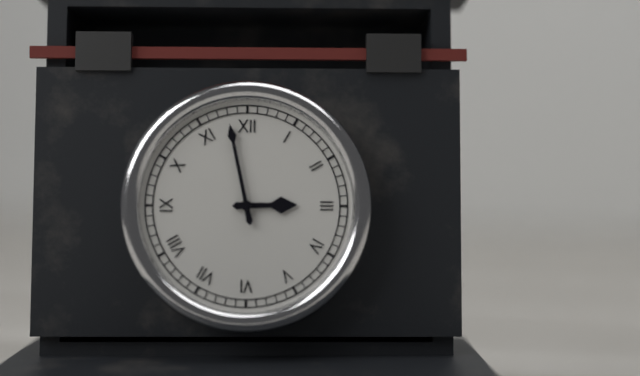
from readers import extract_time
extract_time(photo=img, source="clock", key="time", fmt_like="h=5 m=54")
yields h=2 m=58
